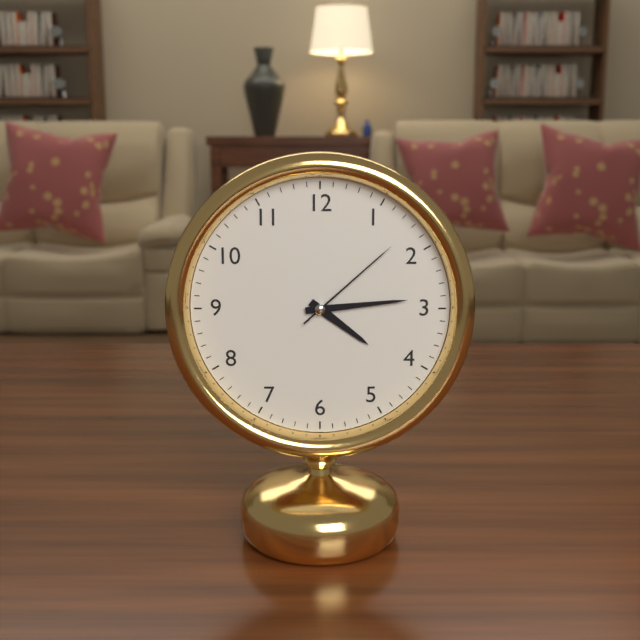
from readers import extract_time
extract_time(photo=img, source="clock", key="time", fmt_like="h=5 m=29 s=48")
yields h=4 m=14 s=8
